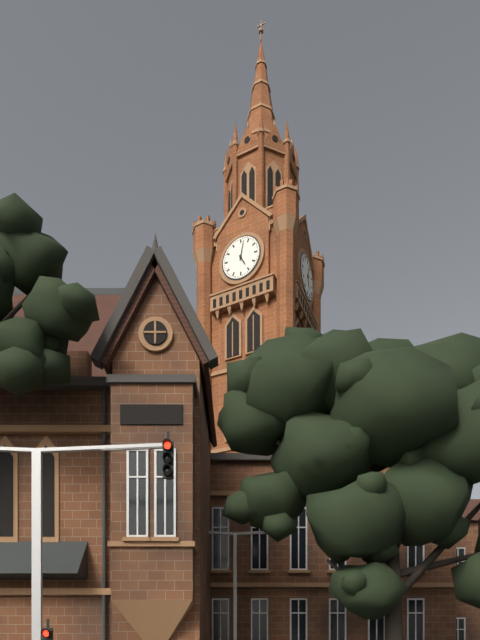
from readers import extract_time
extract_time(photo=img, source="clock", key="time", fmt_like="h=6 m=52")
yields h=5 m=2
